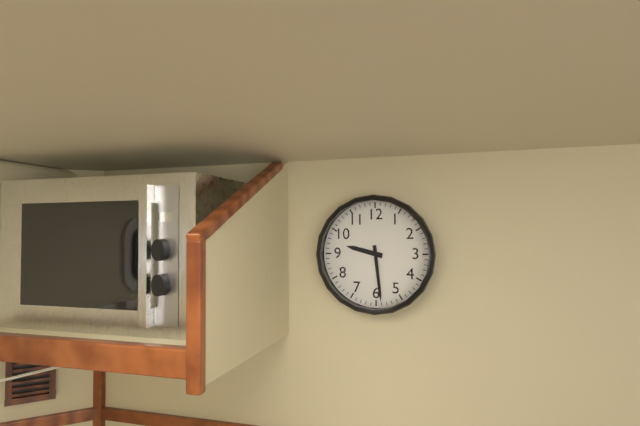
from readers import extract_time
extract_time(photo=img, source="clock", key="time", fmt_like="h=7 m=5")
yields h=9 m=29
